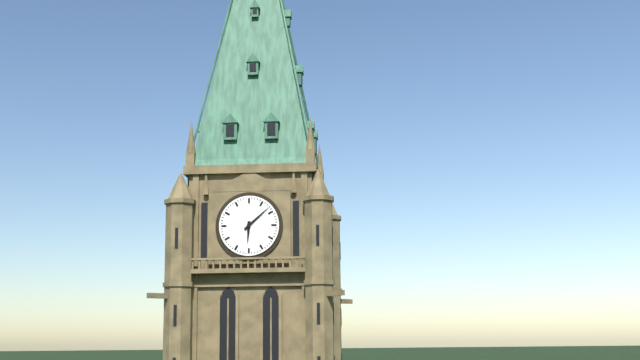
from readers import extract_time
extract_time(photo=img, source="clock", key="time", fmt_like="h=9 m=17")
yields h=6 m=8
